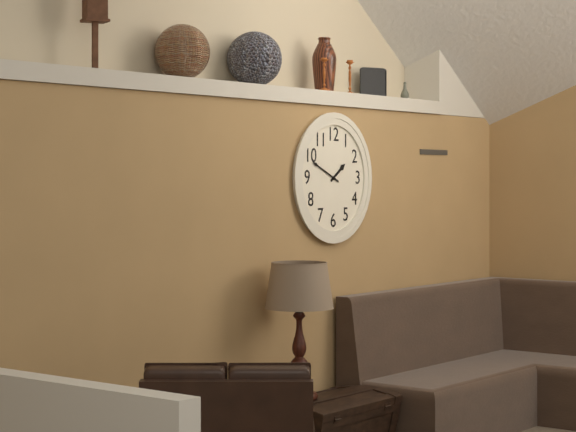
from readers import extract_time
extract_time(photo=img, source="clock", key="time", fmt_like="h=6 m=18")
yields h=1 m=49
